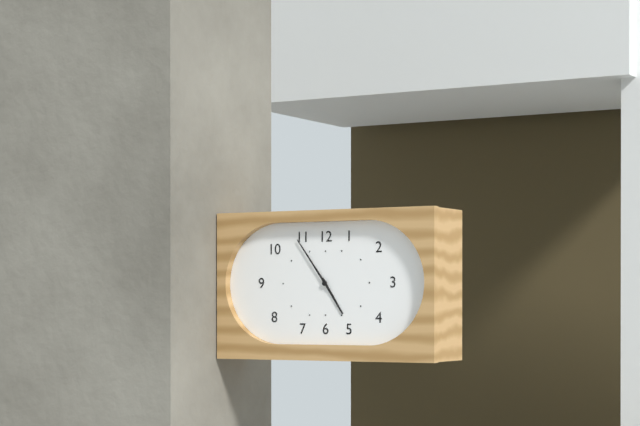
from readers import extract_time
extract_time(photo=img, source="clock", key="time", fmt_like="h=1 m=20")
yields h=4 m=54
